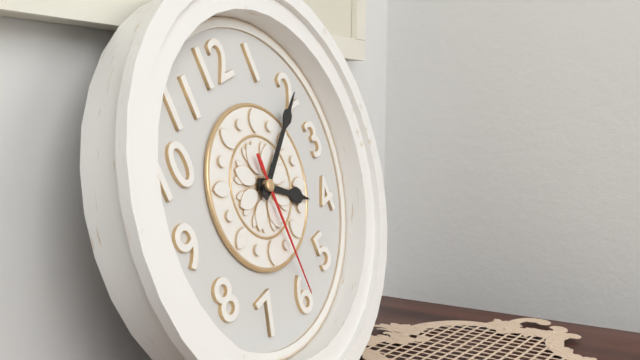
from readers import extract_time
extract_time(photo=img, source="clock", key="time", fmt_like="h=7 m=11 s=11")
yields h=4 m=10 s=30
